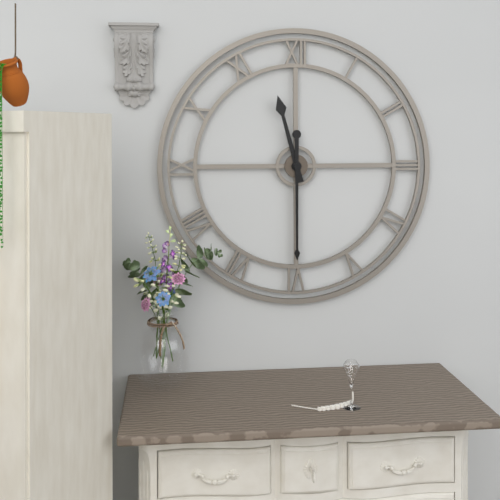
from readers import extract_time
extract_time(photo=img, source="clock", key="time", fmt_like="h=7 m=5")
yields h=11 m=30
